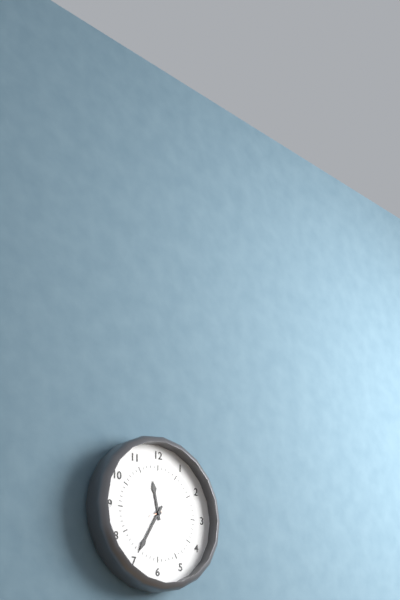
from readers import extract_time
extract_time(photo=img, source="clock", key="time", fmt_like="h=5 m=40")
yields h=11 m=35
